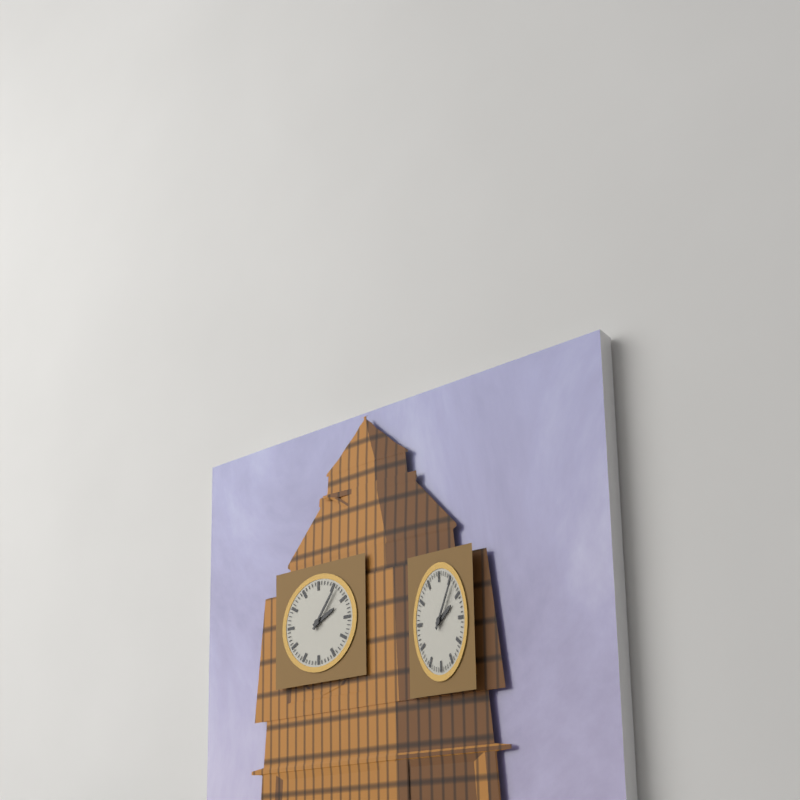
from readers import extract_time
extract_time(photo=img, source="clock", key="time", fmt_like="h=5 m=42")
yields h=2 m=6
